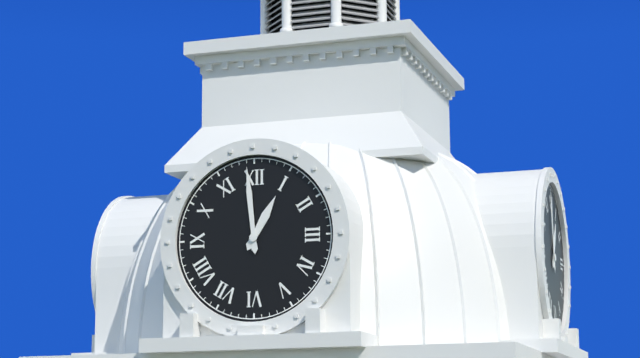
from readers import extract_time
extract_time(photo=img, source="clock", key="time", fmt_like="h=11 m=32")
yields h=12 m=59
